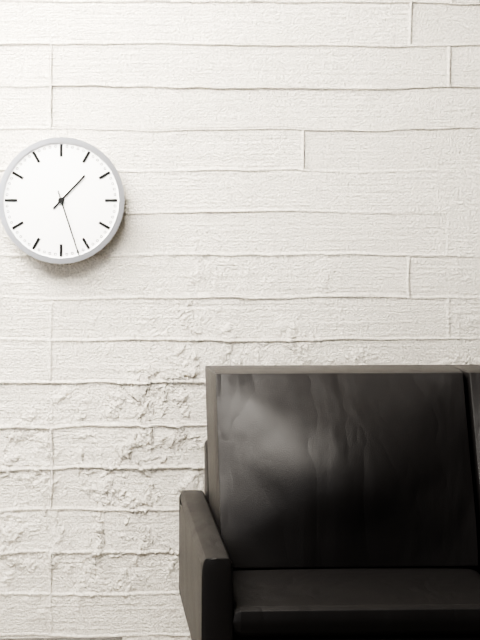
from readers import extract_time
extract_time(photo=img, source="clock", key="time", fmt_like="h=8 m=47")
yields h=1 m=27
